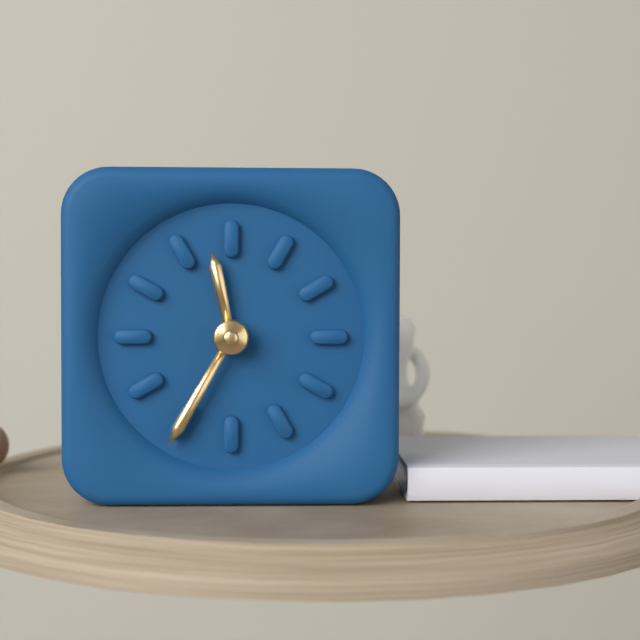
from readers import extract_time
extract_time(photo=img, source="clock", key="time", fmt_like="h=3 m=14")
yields h=11 m=35
